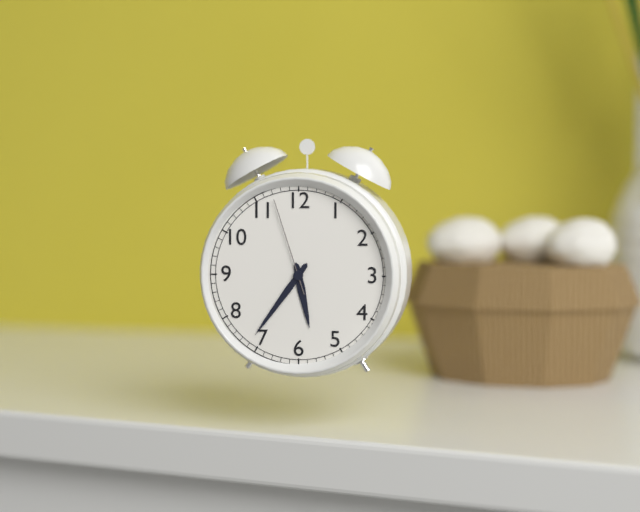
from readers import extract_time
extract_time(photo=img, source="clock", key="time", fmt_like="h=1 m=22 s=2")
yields h=5 m=36 s=57
